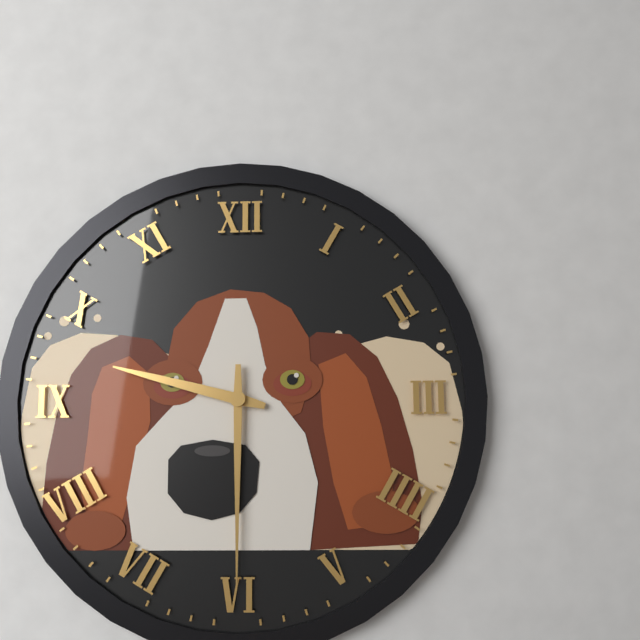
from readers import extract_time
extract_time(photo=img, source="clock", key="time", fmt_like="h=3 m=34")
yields h=9 m=30
